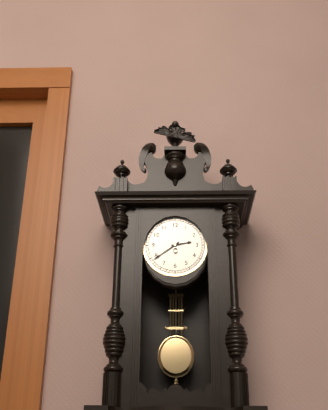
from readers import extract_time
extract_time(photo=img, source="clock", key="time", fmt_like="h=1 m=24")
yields h=2 m=39
